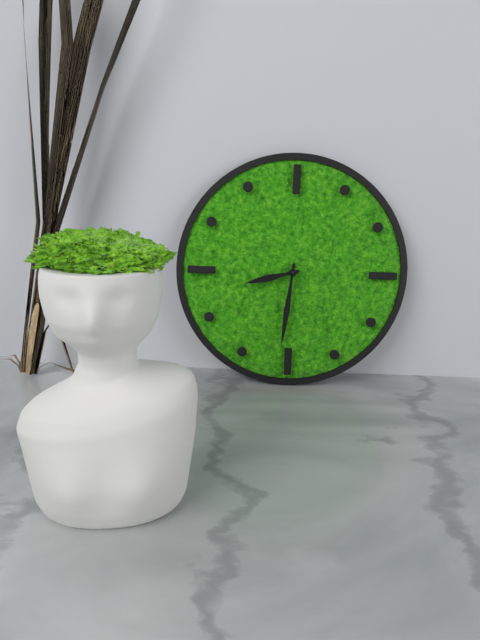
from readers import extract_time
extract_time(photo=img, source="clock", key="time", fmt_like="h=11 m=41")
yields h=8 m=31
